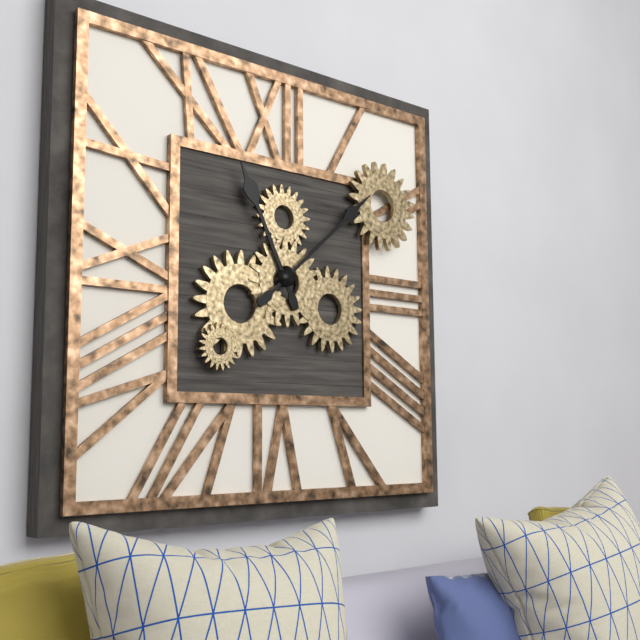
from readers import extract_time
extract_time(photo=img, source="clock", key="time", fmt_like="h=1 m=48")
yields h=11 m=8
